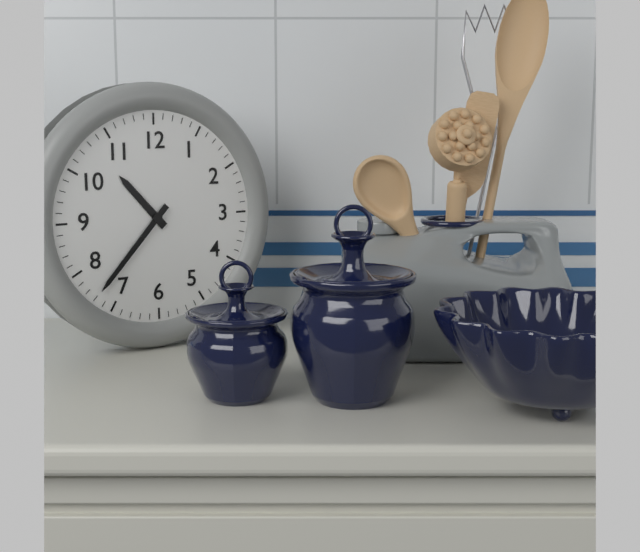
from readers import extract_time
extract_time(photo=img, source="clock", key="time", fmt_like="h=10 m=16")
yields h=10 m=37
